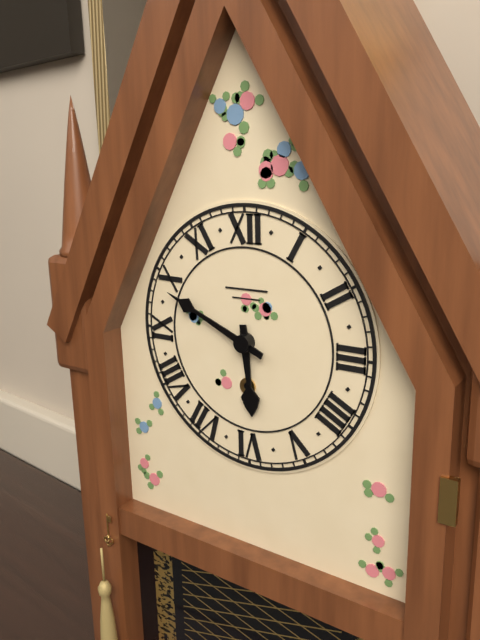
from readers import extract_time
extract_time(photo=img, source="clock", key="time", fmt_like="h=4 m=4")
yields h=5 m=49
